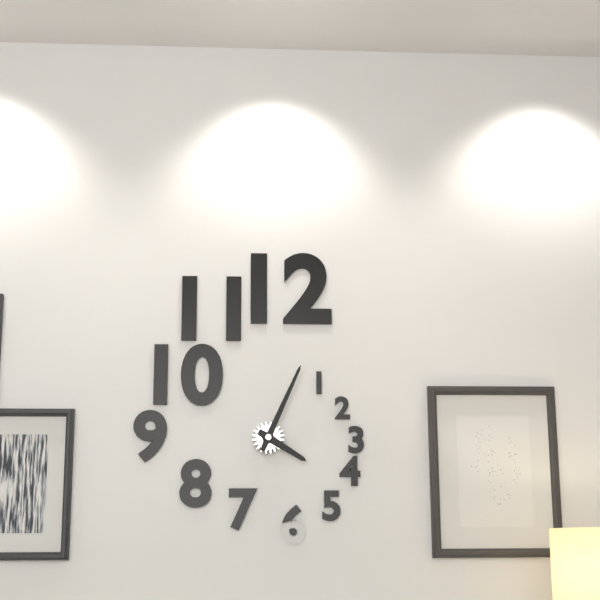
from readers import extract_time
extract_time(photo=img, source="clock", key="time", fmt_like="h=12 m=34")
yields h=4 m=4
